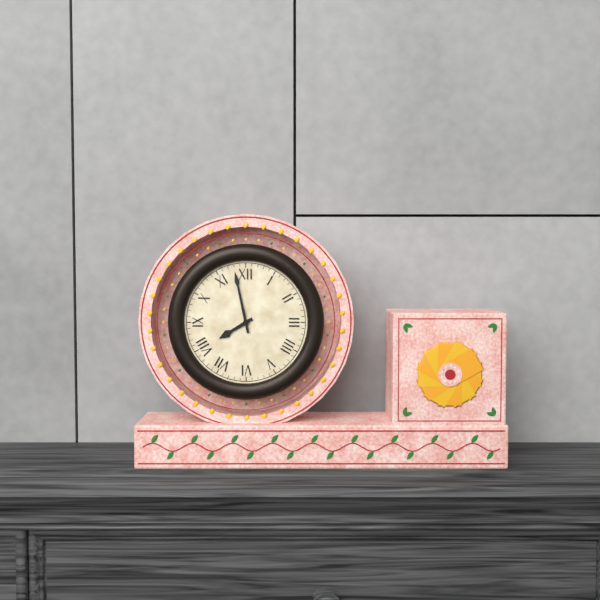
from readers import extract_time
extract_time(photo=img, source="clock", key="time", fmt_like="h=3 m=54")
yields h=7 m=58
